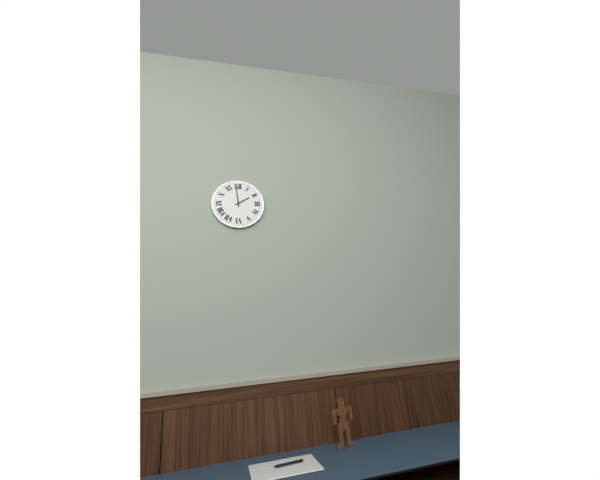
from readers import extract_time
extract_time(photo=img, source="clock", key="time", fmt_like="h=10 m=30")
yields h=1 m=59
